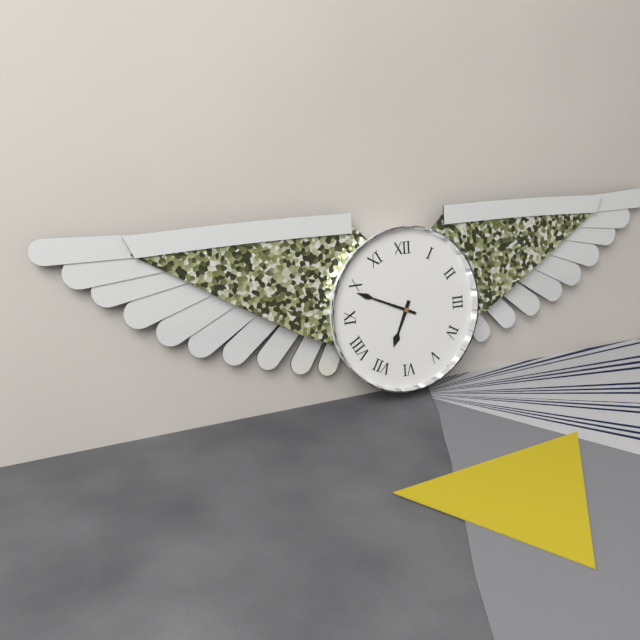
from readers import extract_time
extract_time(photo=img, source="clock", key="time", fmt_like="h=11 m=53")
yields h=6 m=49
